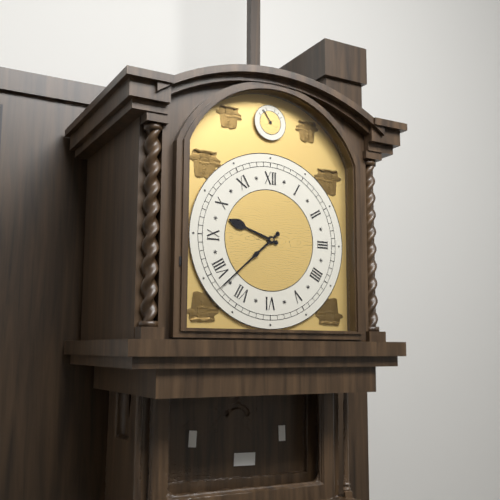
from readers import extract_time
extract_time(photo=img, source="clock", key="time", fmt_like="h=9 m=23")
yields h=9 m=38
